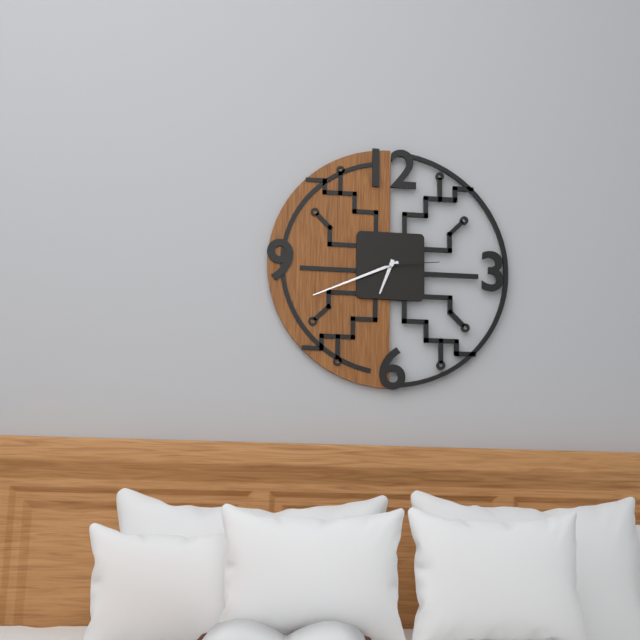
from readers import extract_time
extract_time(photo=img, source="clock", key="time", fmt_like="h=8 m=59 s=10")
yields h=6 m=41 s=14
